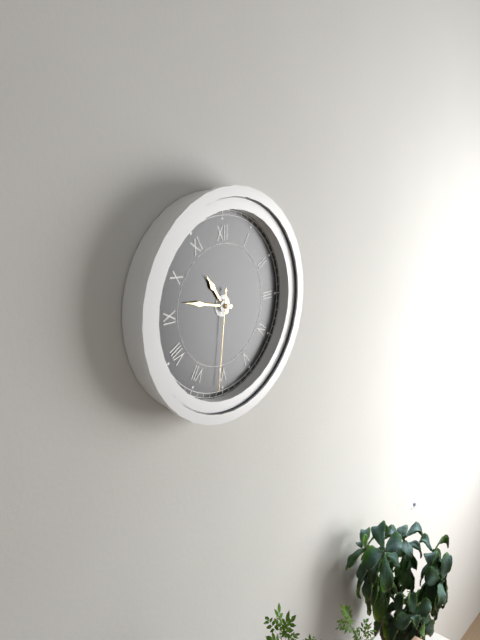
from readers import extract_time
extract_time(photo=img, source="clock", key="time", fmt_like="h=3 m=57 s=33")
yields h=10 m=47 s=31
